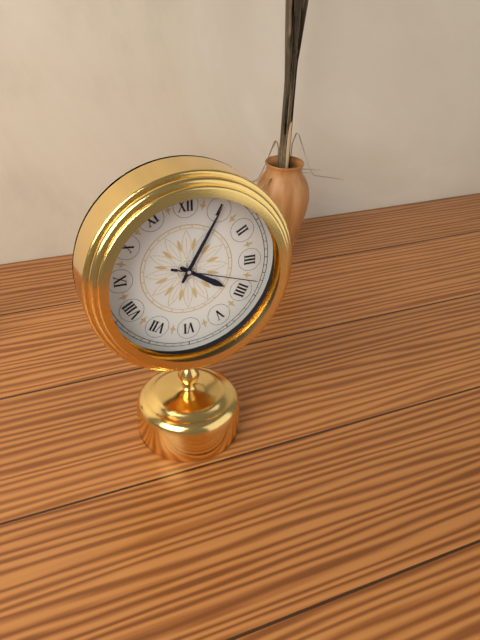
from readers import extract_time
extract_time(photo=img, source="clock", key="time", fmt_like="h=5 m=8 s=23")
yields h=4 m=5 s=18
